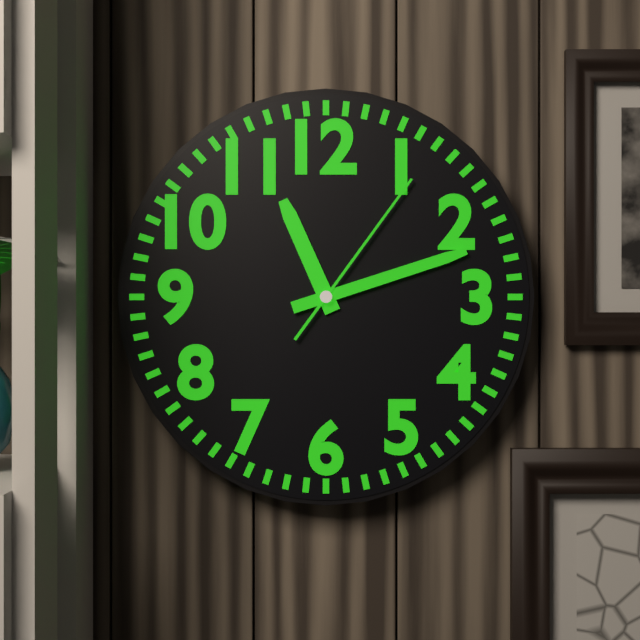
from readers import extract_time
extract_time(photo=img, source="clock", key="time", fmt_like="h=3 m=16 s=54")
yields h=11 m=12 s=6
